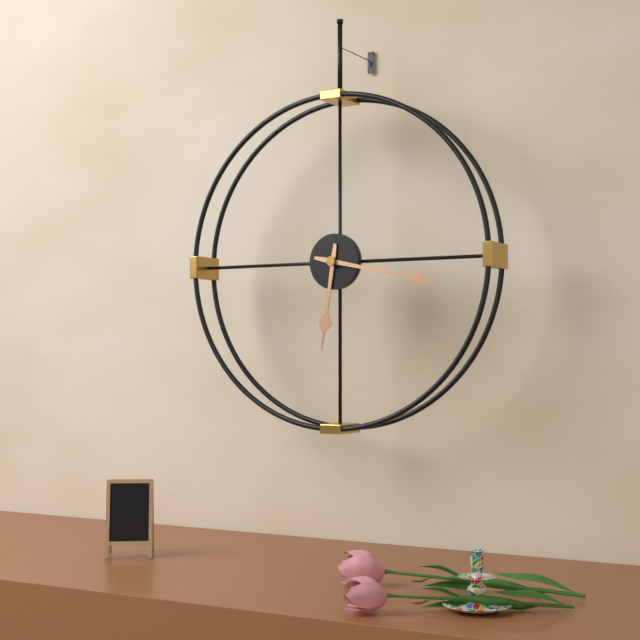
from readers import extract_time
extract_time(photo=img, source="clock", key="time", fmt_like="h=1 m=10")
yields h=6 m=17
